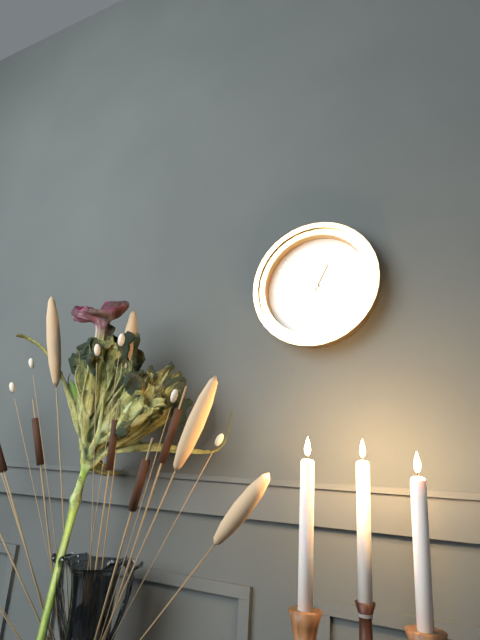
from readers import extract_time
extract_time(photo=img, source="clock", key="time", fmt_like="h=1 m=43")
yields h=12 m=52
